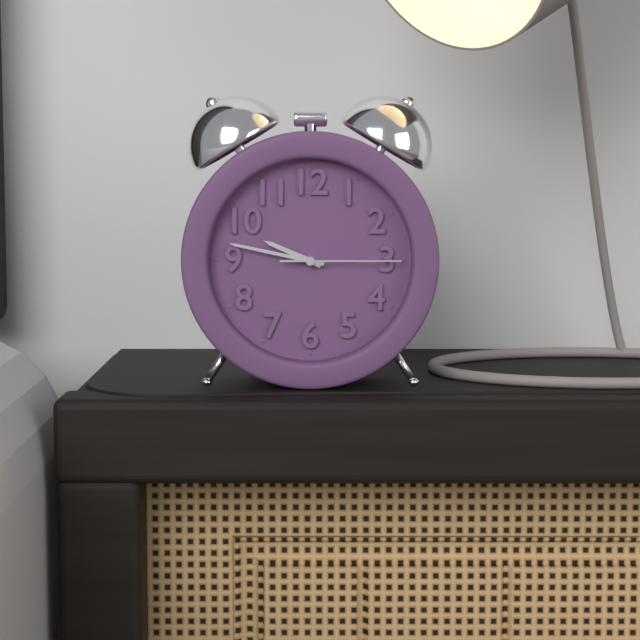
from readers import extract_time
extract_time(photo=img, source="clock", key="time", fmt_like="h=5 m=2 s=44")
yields h=9 m=47 s=15
